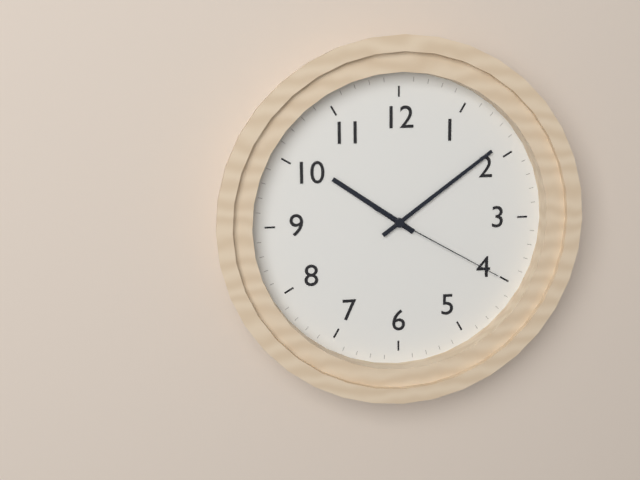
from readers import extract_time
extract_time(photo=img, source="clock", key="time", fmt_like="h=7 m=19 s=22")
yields h=10 m=9 s=20
